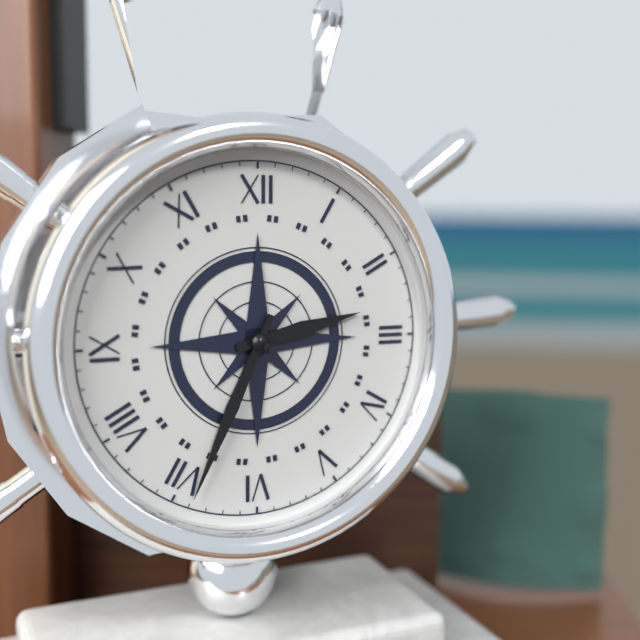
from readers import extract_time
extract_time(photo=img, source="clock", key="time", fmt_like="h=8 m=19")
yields h=2 m=34
